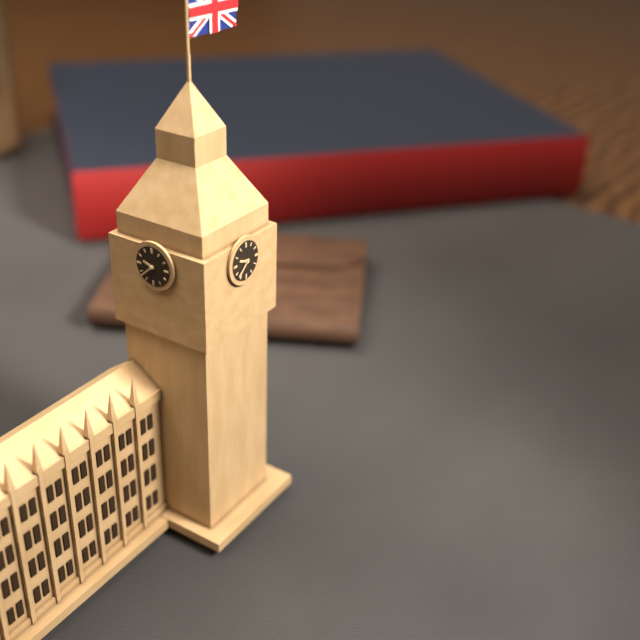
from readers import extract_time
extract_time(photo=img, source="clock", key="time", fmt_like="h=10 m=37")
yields h=9 m=38
